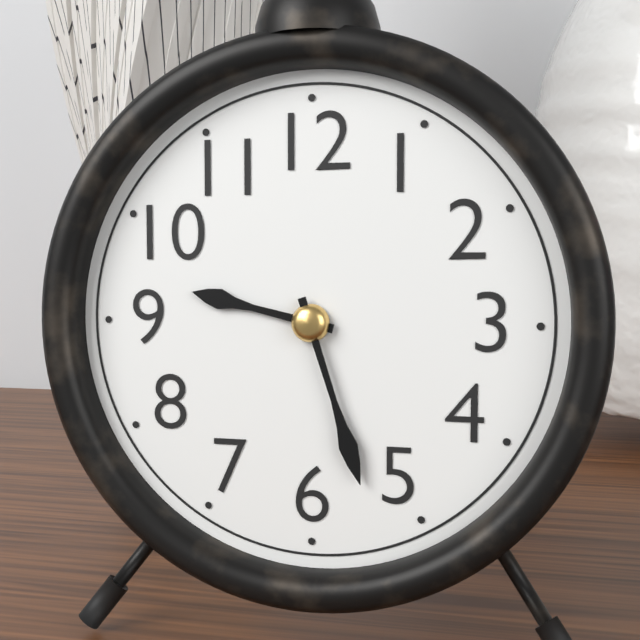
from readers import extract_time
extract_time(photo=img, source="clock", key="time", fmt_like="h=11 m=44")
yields h=9 m=27
